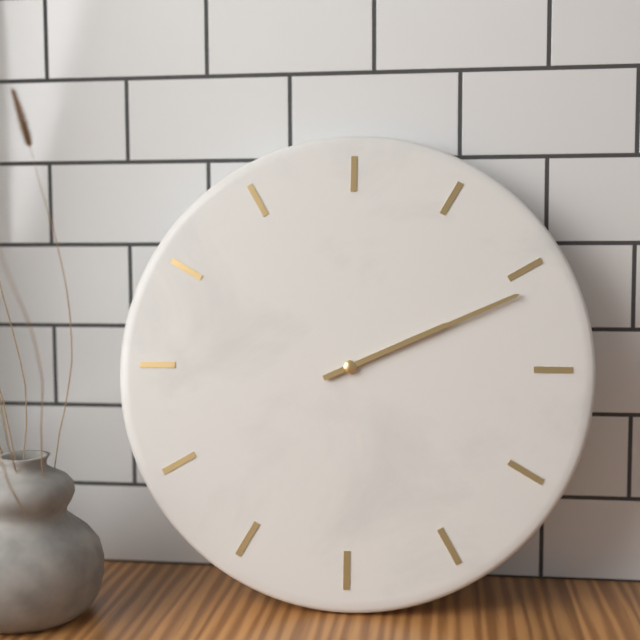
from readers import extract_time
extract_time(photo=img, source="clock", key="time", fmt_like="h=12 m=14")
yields h=2 m=11
